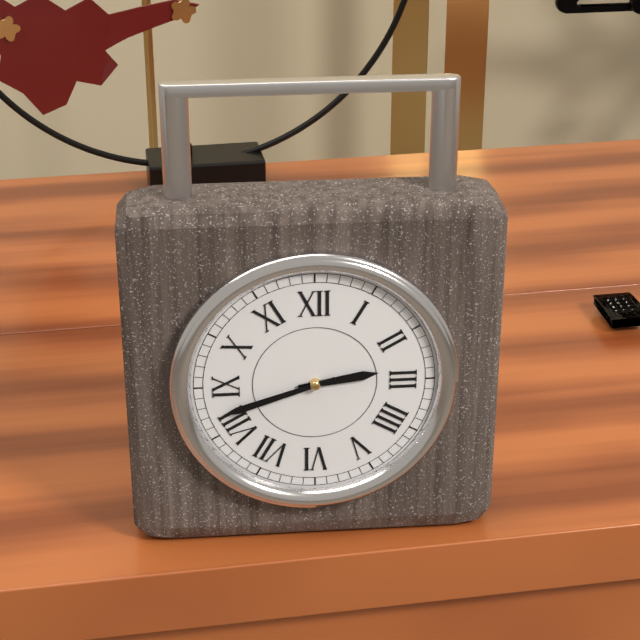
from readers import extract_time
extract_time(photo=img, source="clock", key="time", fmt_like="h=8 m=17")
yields h=2 m=42
